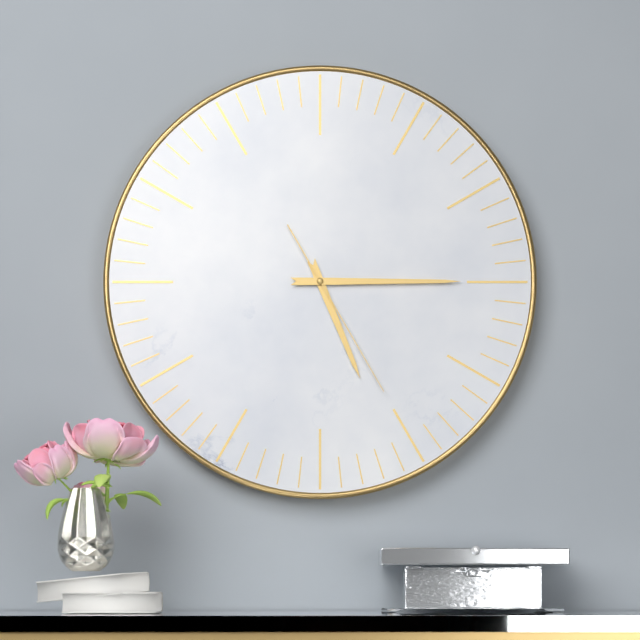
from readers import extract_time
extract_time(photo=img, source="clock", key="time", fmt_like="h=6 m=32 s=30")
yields h=5 m=15 s=25
